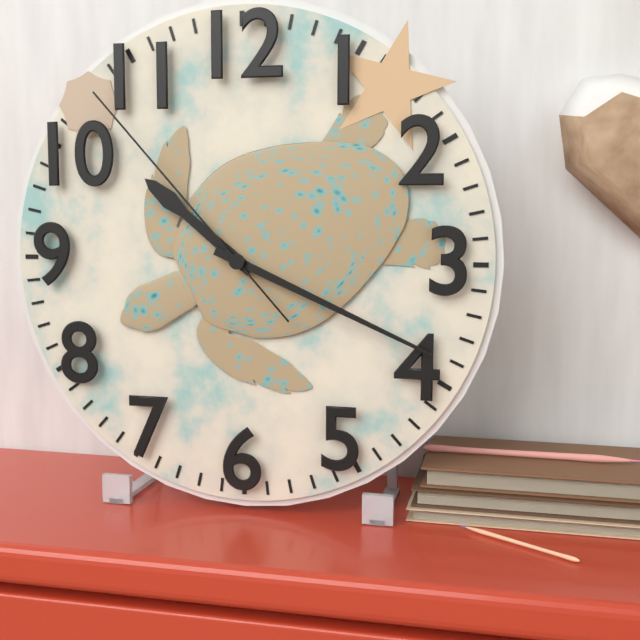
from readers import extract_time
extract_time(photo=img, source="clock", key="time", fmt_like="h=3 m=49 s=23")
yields h=10 m=19 s=53
